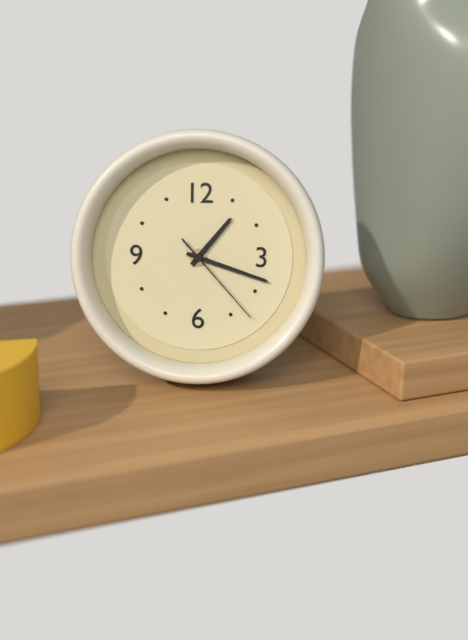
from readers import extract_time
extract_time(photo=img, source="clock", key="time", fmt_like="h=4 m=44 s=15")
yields h=1 m=18 s=23
